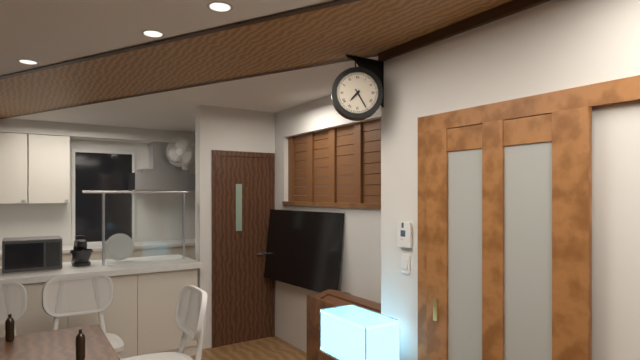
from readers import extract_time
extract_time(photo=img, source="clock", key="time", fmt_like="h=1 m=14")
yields h=7 m=25
